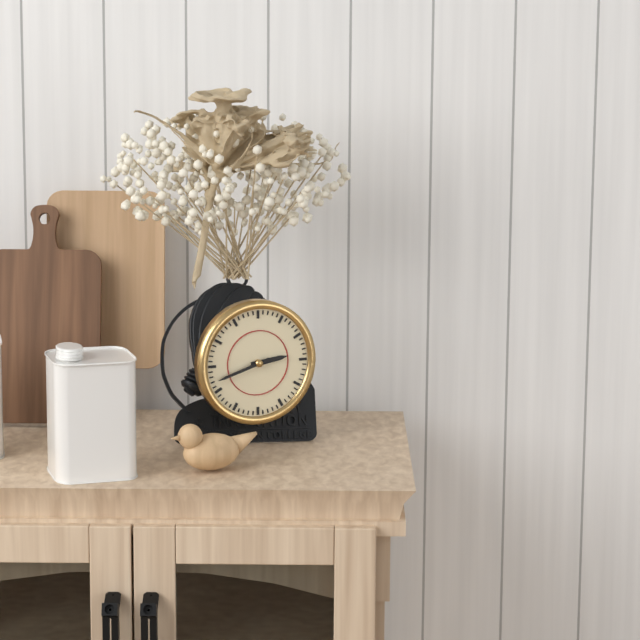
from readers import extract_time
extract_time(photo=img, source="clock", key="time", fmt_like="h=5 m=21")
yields h=2 m=42
